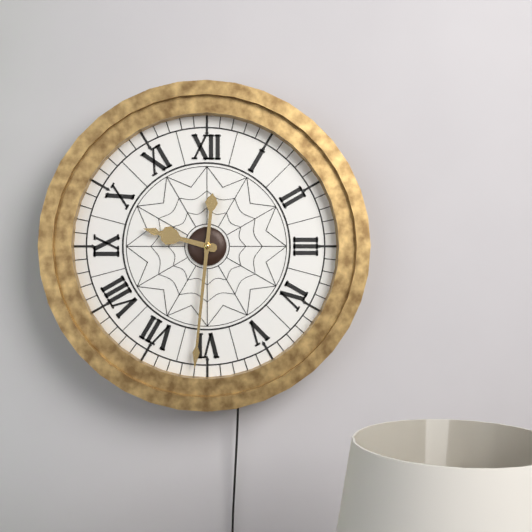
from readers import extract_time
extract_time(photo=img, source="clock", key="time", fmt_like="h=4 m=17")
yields h=9 m=31
